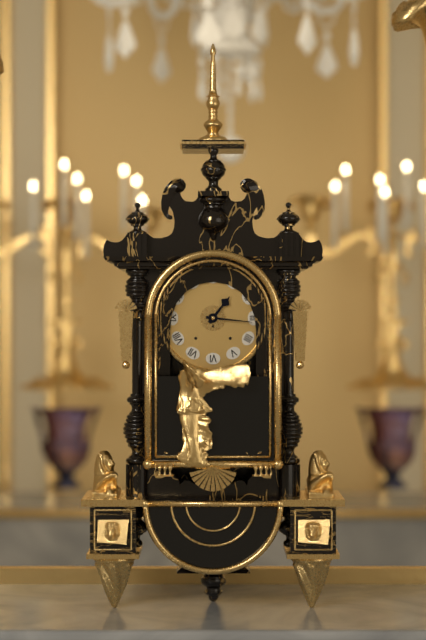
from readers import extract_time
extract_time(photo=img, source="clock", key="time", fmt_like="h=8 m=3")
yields h=1 m=16
